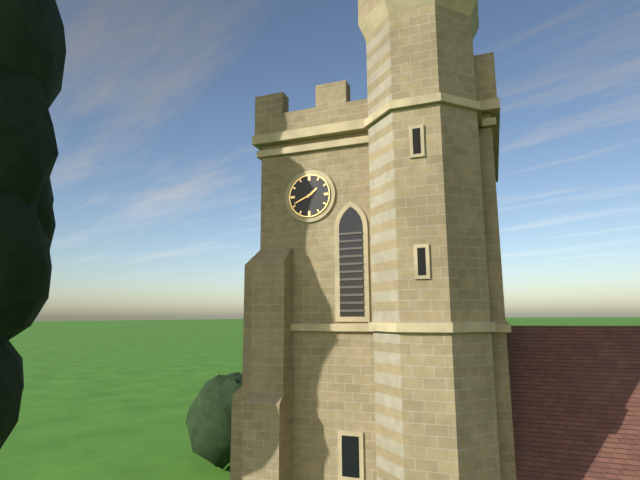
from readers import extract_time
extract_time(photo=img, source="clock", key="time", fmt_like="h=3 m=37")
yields h=1 m=41
